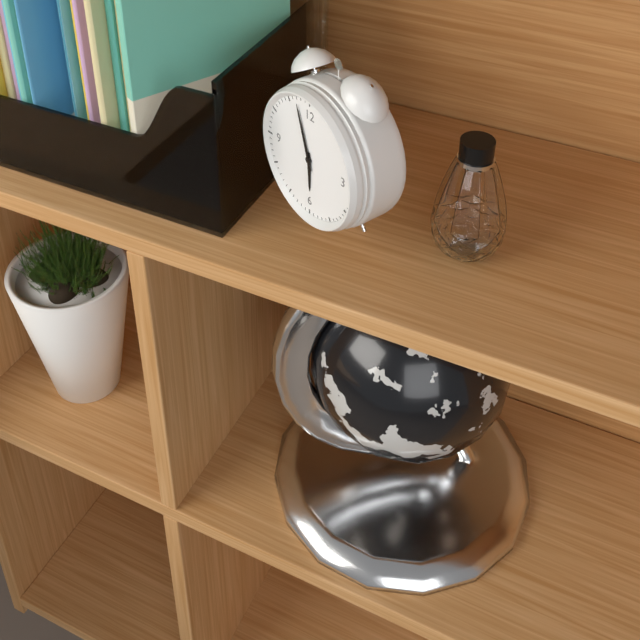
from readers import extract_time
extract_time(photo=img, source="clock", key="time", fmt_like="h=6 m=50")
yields h=5 m=57
